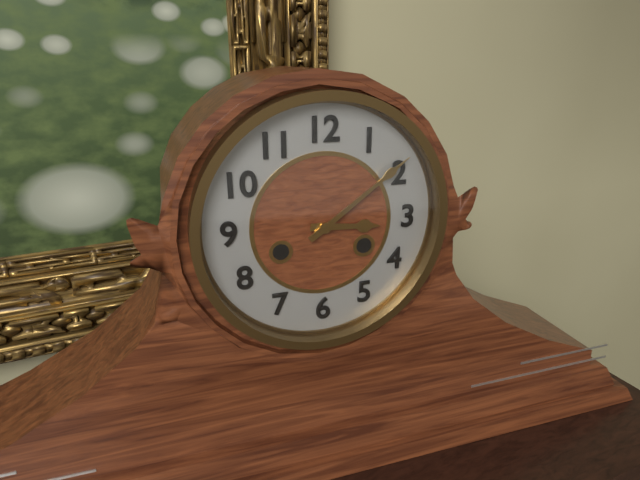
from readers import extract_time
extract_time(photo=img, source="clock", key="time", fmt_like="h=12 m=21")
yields h=3 m=9
